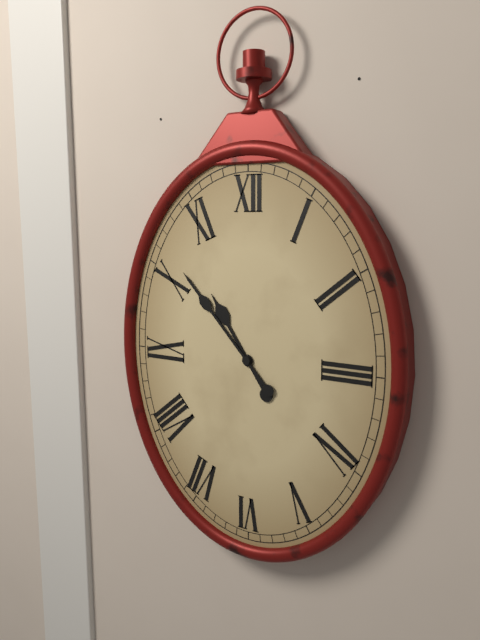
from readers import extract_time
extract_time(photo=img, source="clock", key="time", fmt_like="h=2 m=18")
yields h=10 m=53
